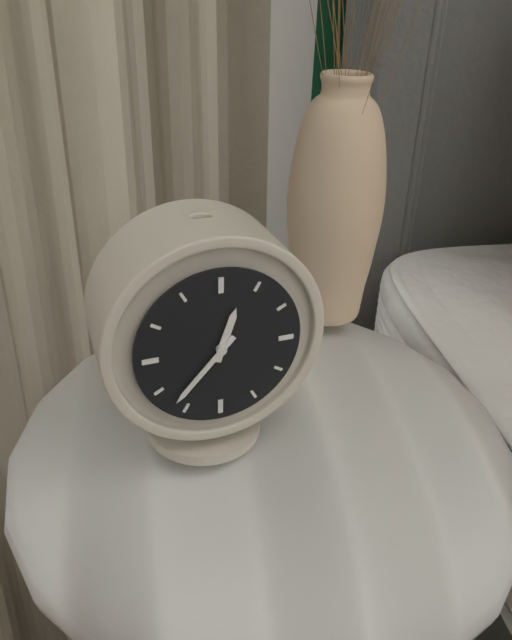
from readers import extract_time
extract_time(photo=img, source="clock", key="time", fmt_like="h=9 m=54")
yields h=12 m=37
